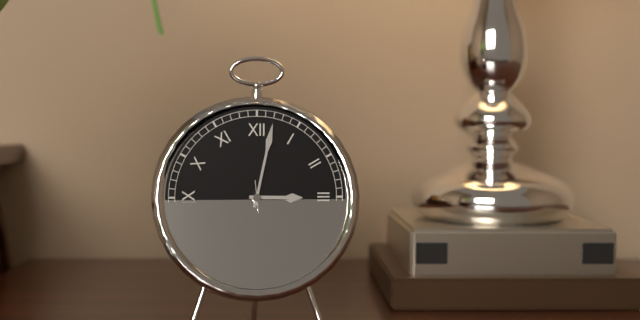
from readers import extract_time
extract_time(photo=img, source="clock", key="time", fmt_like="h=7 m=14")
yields h=3 m=2
